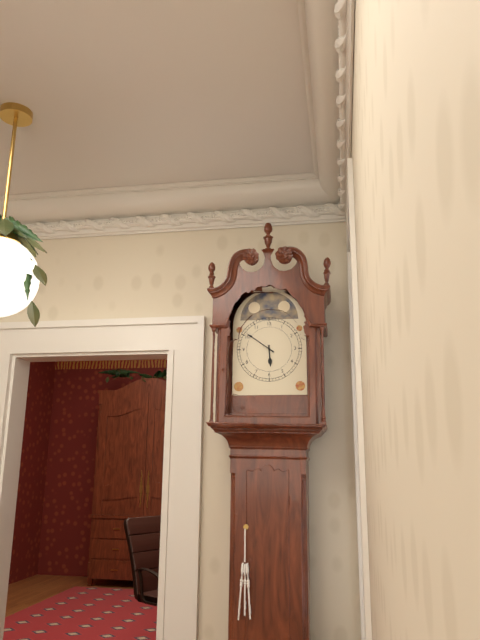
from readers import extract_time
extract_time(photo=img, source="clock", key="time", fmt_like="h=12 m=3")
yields h=5 m=51
